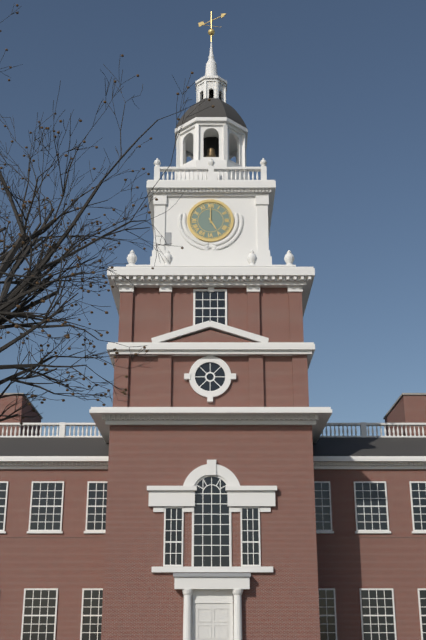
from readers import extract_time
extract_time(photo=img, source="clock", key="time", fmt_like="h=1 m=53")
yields h=5 m=0
